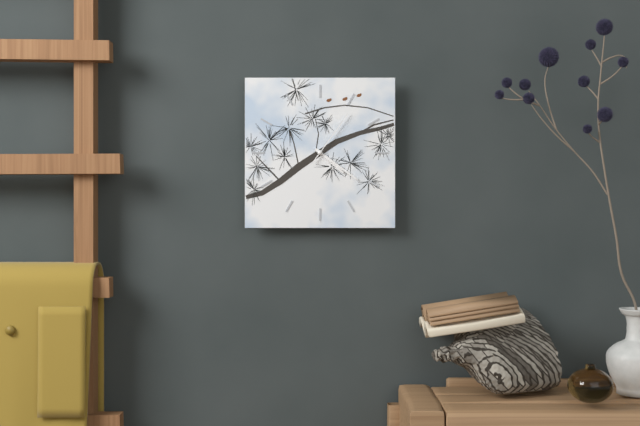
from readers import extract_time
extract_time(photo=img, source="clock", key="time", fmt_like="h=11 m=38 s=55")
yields h=4 m=21 s=6
